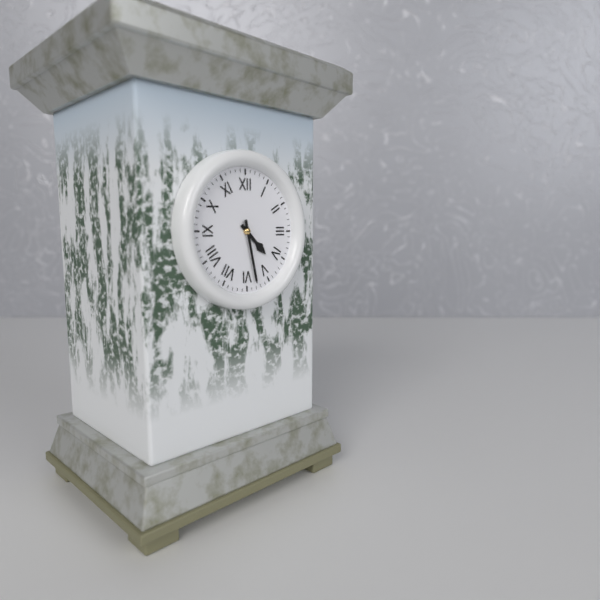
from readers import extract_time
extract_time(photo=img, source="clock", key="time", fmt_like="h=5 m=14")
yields h=4 m=28
